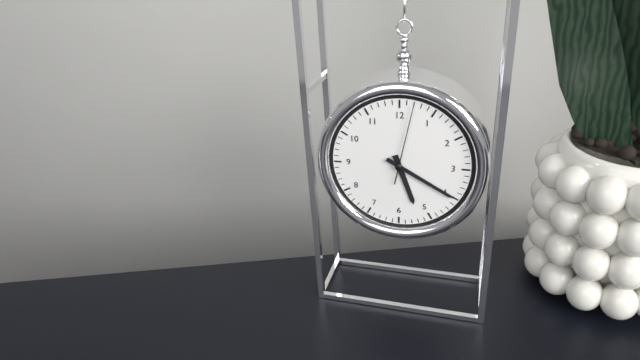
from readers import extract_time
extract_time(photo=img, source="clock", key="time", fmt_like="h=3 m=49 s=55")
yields h=5 m=20 s=2
